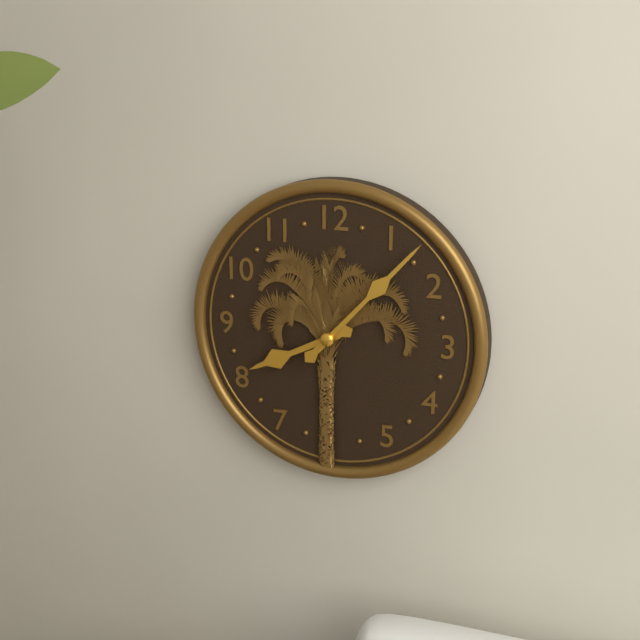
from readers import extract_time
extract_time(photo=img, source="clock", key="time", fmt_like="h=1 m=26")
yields h=8 m=7
